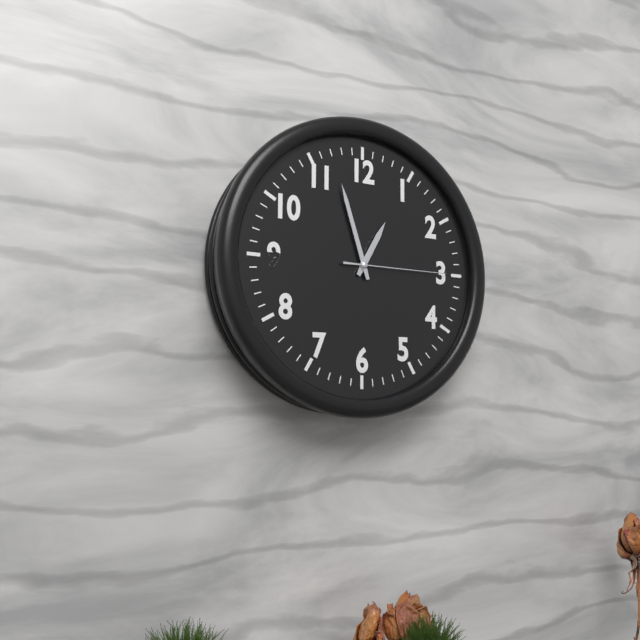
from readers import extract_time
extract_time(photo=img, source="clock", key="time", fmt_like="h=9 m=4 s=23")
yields h=12 m=57 s=15
